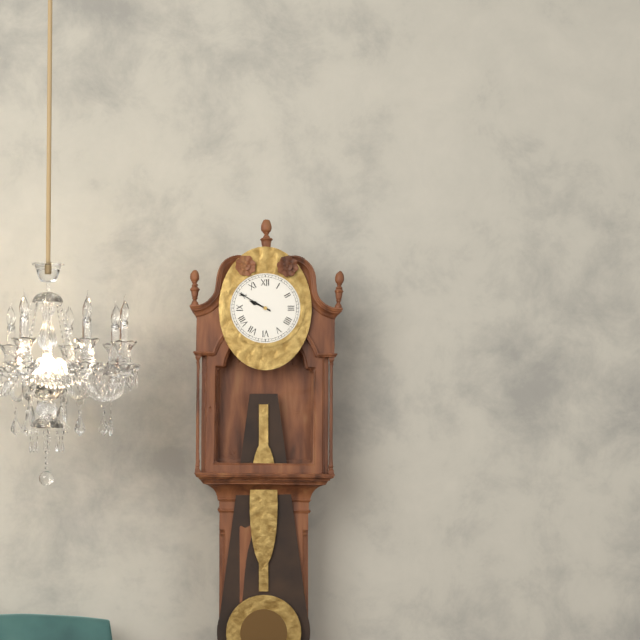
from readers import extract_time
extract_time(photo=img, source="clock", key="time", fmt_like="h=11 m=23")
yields h=9 m=50
